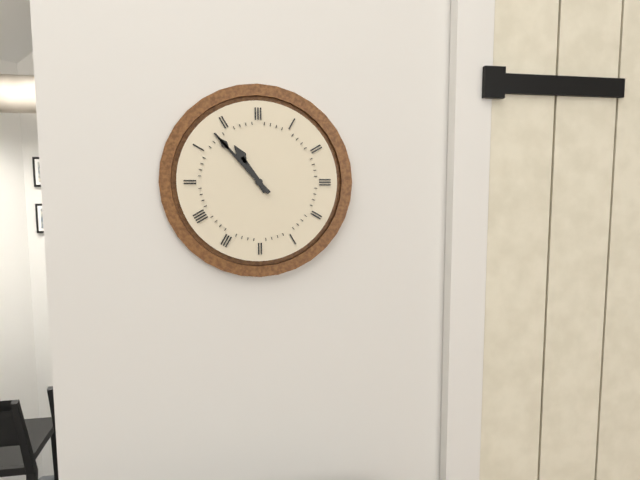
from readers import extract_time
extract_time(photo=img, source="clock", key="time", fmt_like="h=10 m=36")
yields h=10 m=53
